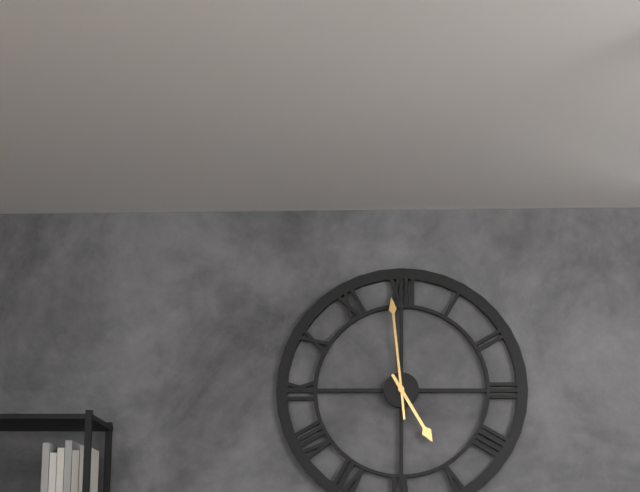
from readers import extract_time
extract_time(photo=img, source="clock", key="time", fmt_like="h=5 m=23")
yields h=4 m=59
